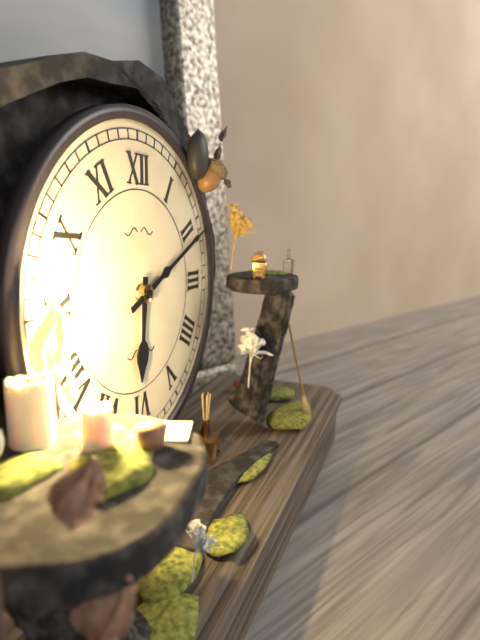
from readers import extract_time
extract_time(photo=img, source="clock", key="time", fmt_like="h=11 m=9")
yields h=6 m=11
